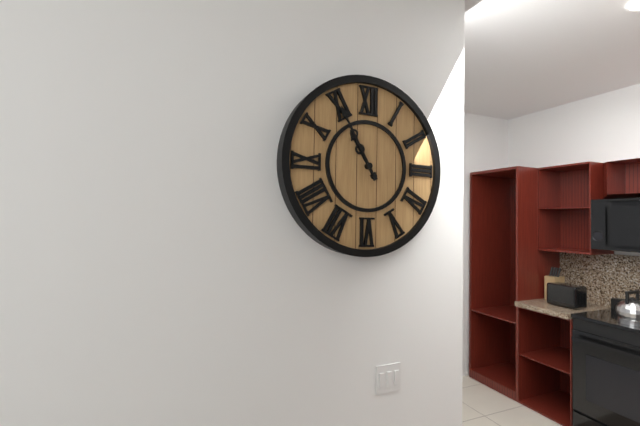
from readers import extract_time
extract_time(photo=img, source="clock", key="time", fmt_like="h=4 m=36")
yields h=10 m=55
